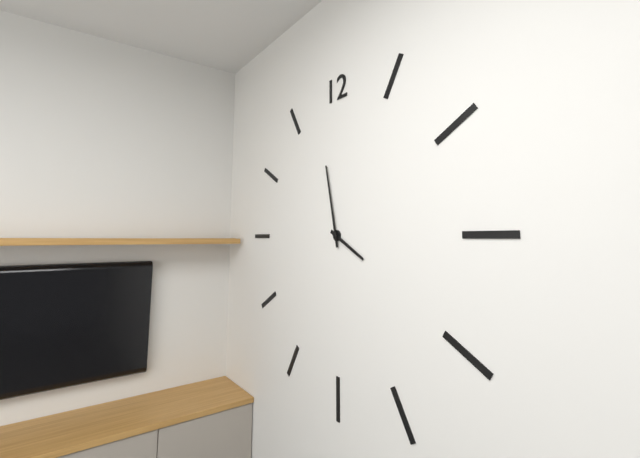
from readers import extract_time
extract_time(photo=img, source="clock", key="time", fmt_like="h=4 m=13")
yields h=3 m=58
